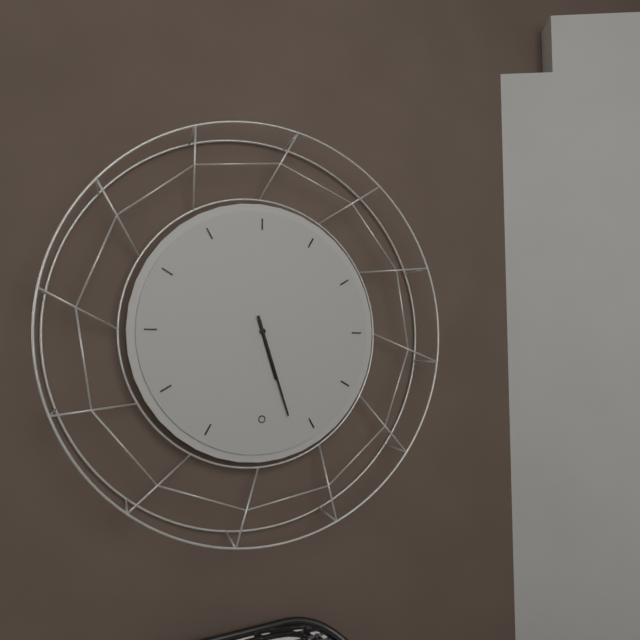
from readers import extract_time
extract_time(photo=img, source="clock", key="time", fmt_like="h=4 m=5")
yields h=5 m=27
